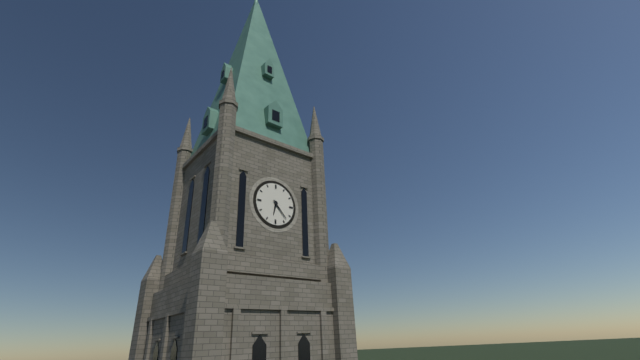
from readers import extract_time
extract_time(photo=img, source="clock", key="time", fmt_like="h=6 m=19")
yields h=6 m=23
